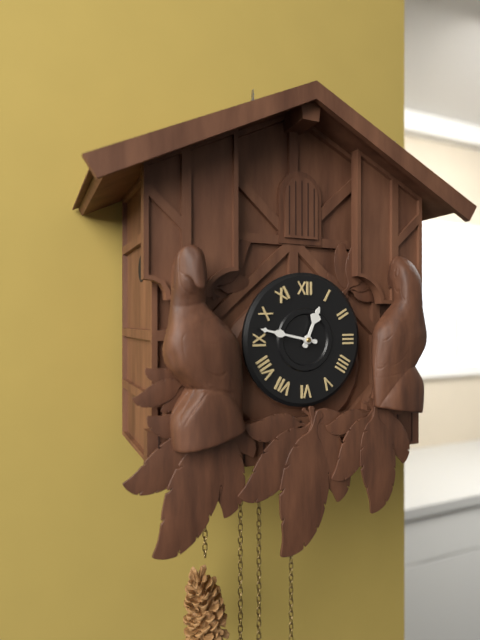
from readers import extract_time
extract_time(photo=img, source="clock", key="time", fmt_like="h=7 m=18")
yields h=12 m=47
